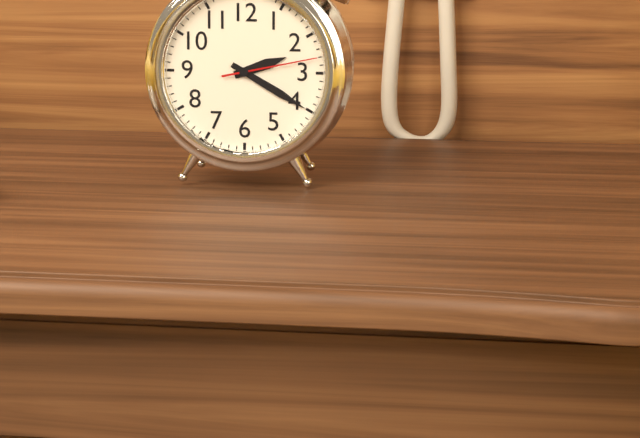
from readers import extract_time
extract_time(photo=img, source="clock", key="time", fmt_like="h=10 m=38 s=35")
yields h=2 m=20 s=13
